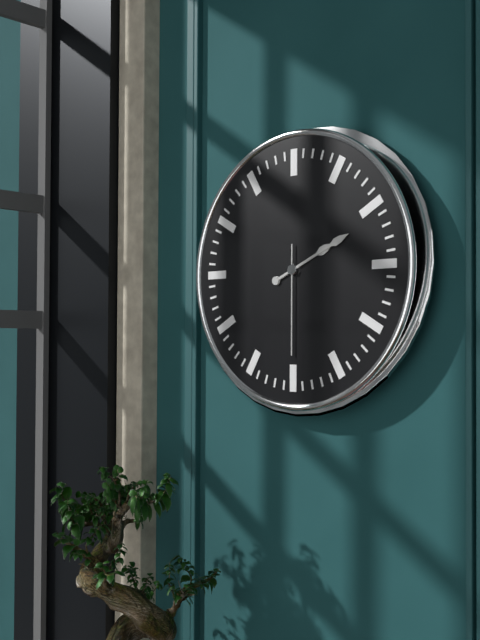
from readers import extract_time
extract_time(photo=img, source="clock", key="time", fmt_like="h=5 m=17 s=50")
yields h=2 m=11 s=30
